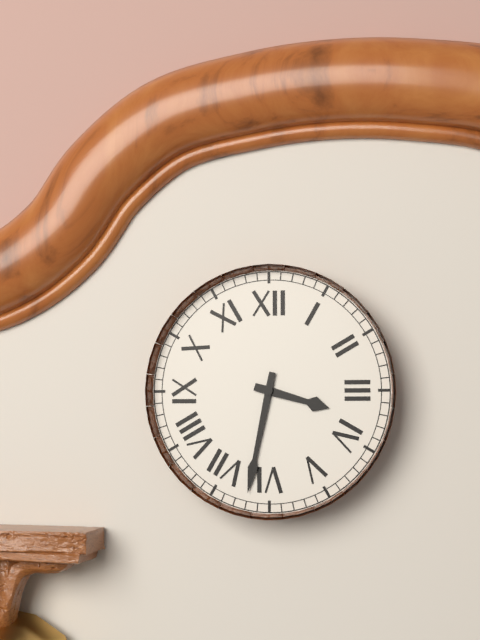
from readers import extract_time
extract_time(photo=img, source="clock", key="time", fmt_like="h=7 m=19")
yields h=3 m=32
